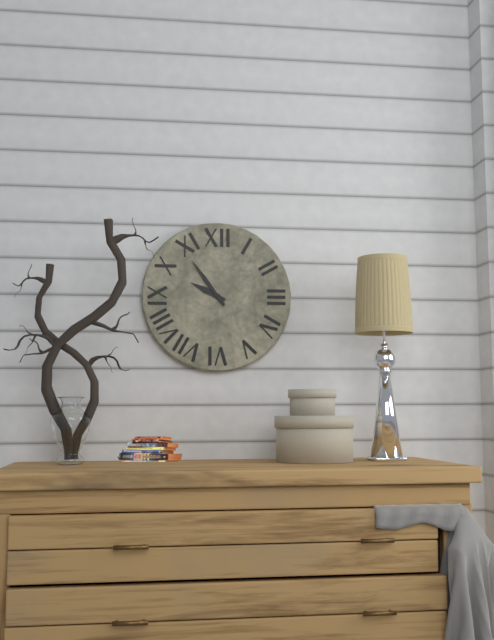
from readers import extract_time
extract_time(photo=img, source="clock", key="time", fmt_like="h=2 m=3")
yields h=9 m=54
